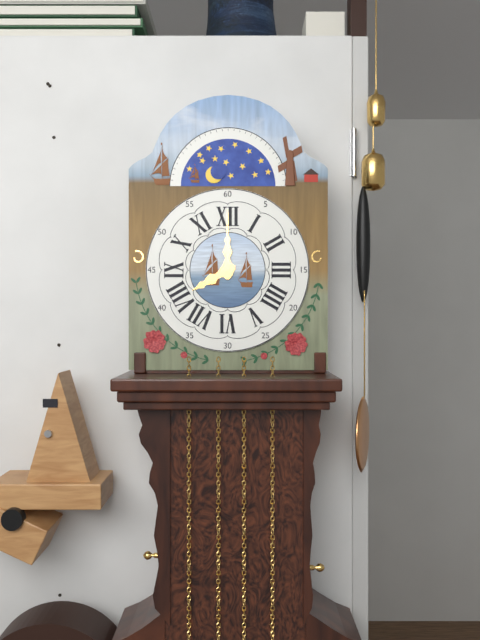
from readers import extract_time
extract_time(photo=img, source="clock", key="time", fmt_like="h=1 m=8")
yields h=8 m=0
